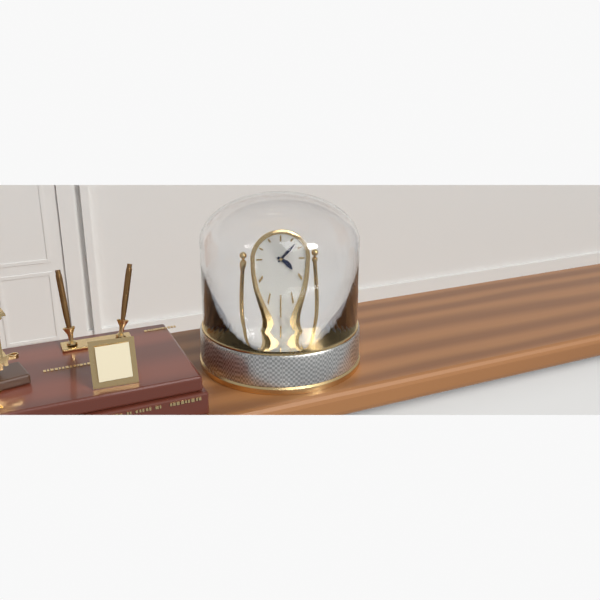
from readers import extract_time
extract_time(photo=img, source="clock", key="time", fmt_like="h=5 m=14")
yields h=4 m=7
